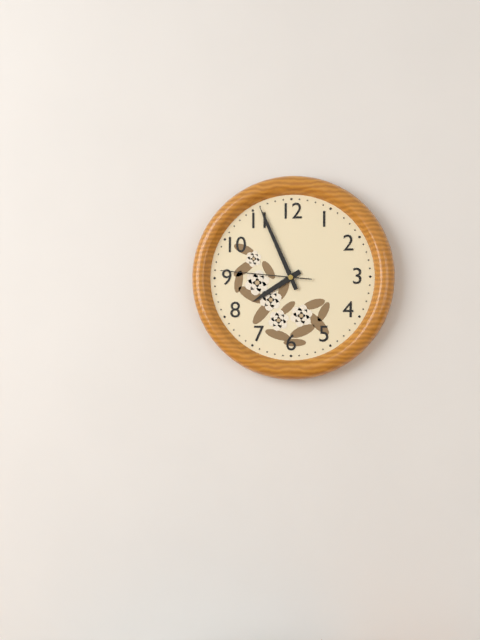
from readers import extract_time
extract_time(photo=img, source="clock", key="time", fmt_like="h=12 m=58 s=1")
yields h=7 m=56 s=46
